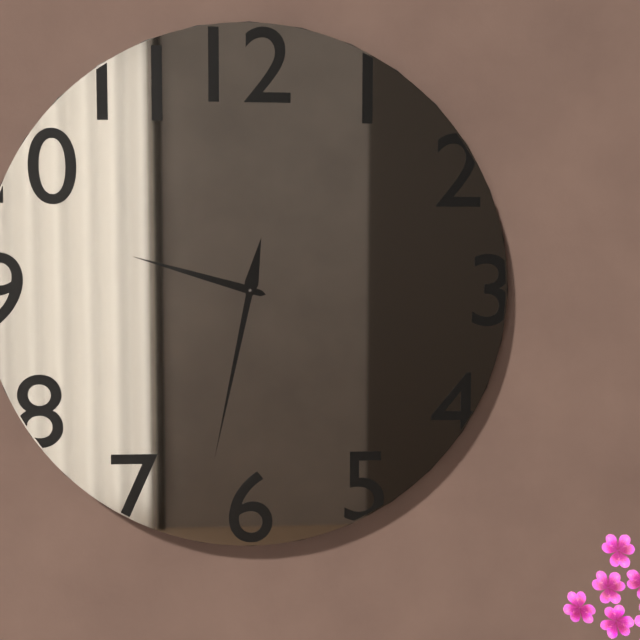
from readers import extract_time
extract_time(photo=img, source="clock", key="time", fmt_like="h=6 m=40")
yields h=9 m=32
